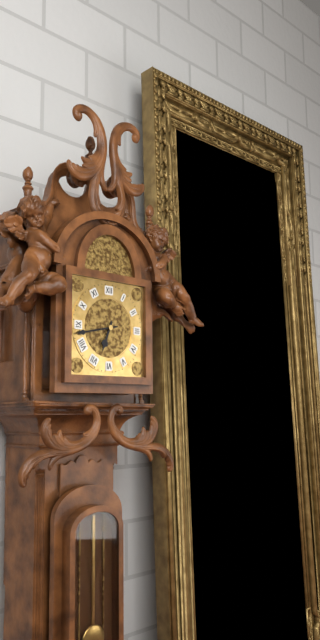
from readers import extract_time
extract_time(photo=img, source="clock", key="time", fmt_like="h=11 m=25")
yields h=6 m=43
